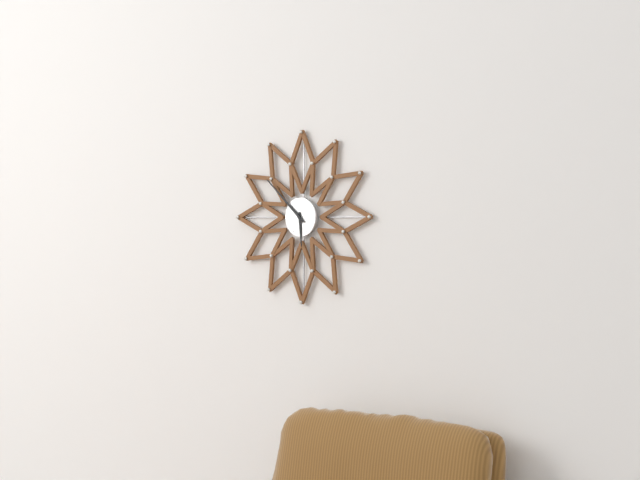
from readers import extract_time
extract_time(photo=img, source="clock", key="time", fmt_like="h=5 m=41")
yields h=5 m=52
